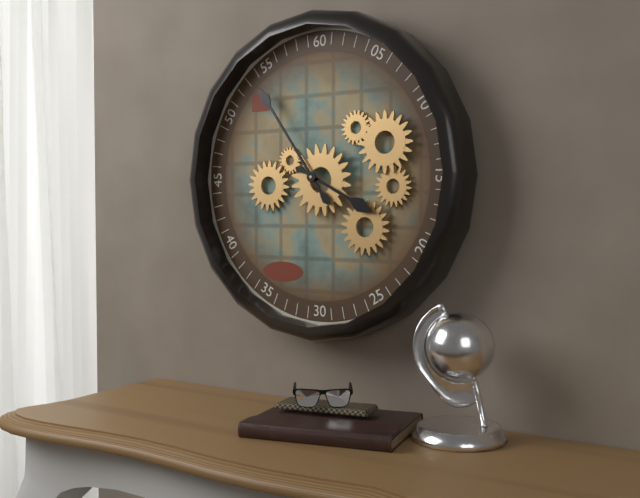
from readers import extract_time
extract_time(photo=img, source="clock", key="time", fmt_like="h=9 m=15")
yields h=3 m=54
